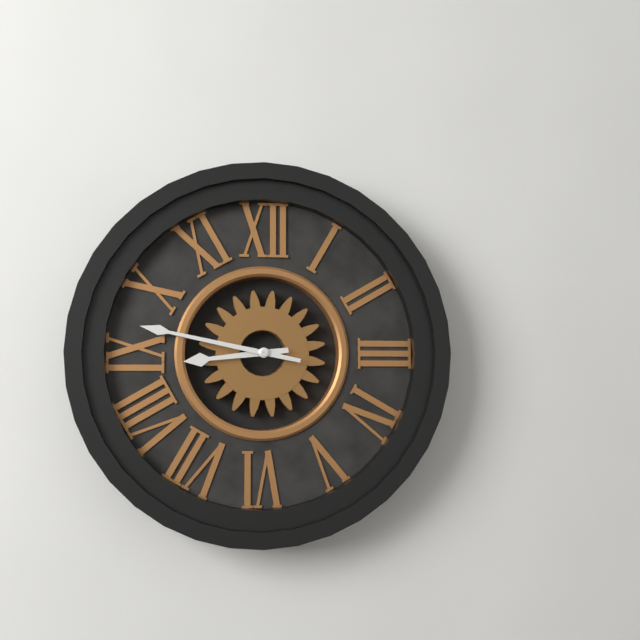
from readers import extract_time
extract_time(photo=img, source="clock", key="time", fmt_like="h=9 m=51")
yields h=8 m=47
